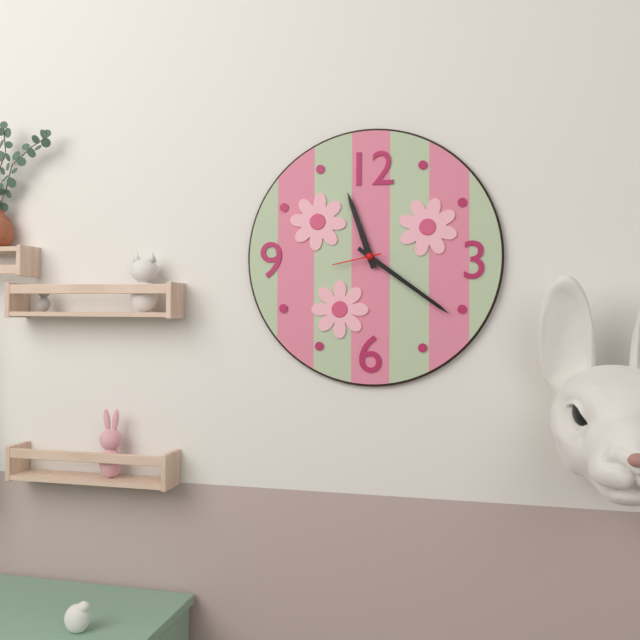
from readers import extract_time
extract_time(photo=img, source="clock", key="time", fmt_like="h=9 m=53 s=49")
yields h=11 m=21 s=43
